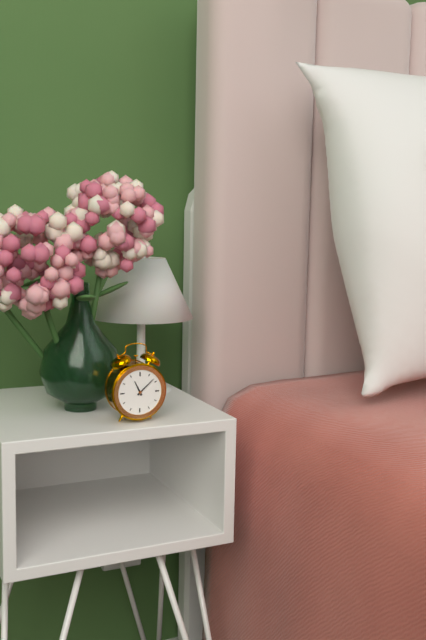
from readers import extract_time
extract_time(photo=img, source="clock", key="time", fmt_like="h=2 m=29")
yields h=11 m=8
